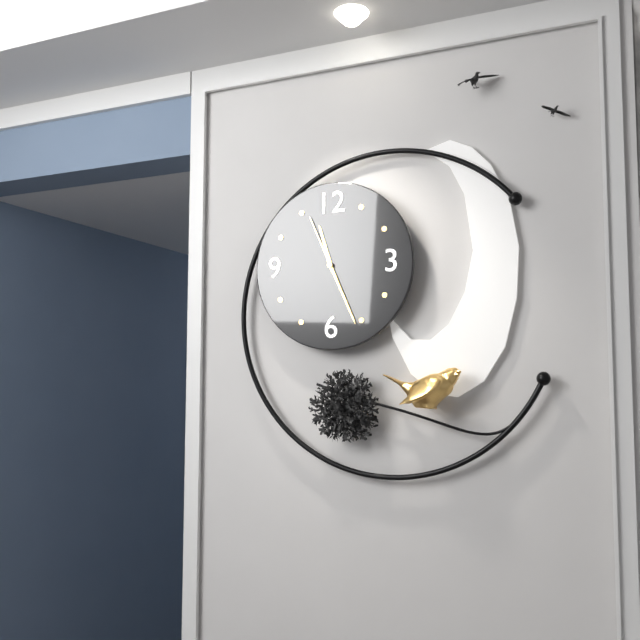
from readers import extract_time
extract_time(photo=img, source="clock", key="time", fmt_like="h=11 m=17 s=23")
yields h=11 m=26 s=56
